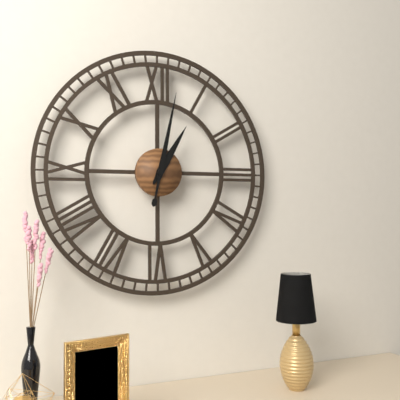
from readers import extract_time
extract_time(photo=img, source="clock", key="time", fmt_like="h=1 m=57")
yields h=1 m=2
